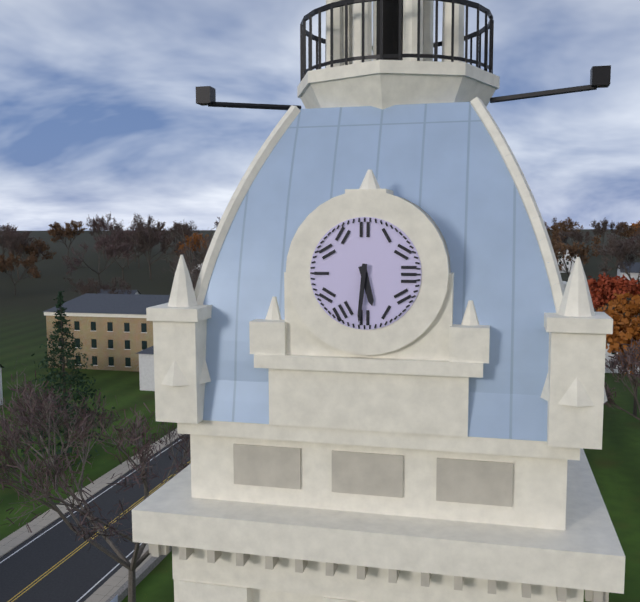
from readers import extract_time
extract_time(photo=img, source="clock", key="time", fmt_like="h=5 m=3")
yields h=5 m=31
